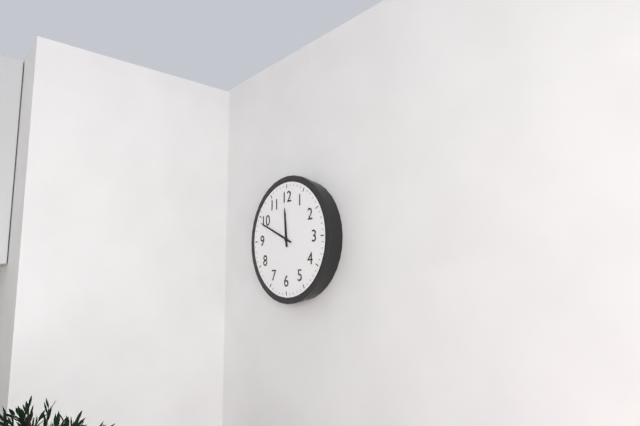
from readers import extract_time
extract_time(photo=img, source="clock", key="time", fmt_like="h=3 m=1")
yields h=11 m=49
